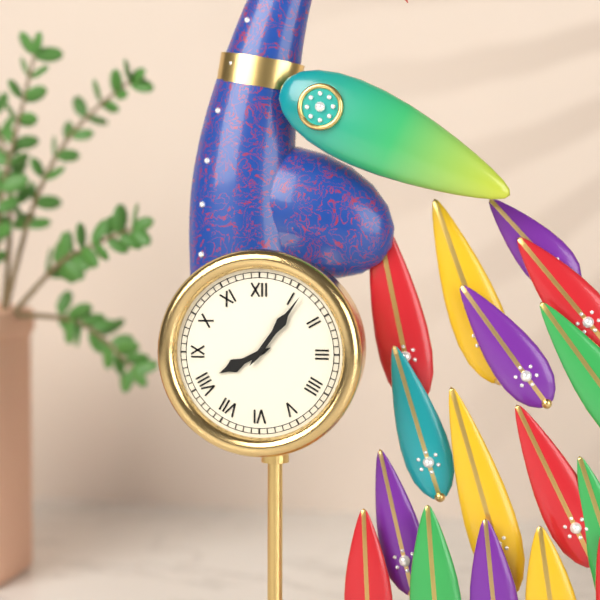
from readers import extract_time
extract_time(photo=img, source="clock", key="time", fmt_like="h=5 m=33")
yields h=8 m=6
